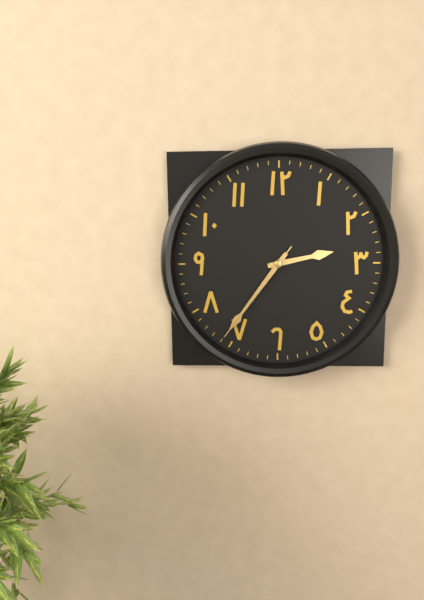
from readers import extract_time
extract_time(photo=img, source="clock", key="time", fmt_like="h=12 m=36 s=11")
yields h=2 m=36 s=36
